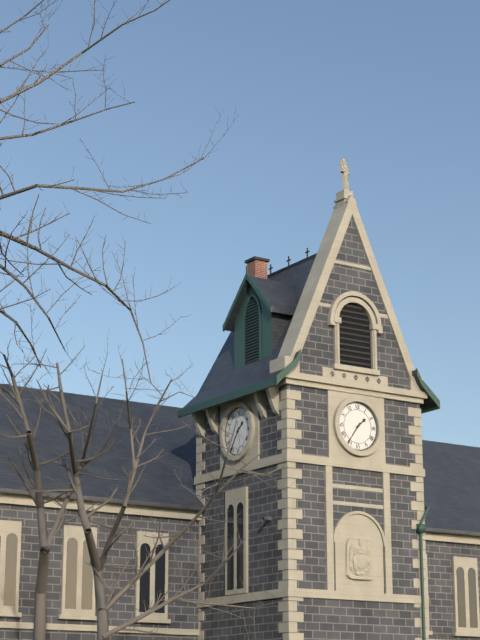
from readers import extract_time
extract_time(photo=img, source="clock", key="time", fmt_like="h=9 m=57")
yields h=1 m=36
